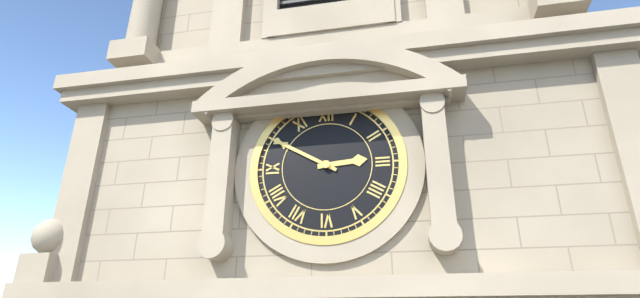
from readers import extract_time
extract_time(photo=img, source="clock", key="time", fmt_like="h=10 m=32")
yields h=2 m=50
